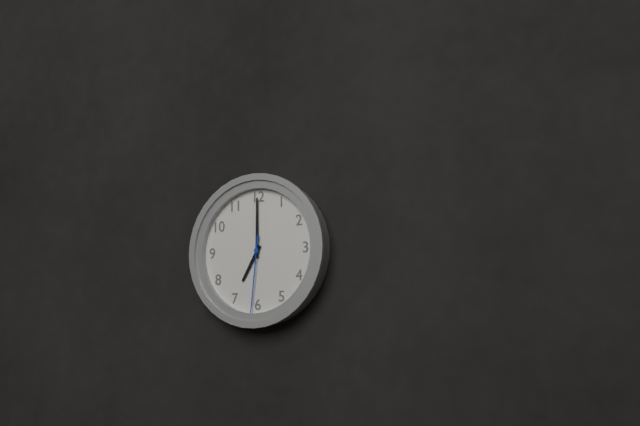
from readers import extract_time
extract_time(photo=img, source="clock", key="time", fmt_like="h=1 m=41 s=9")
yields h=7 m=0 s=31
